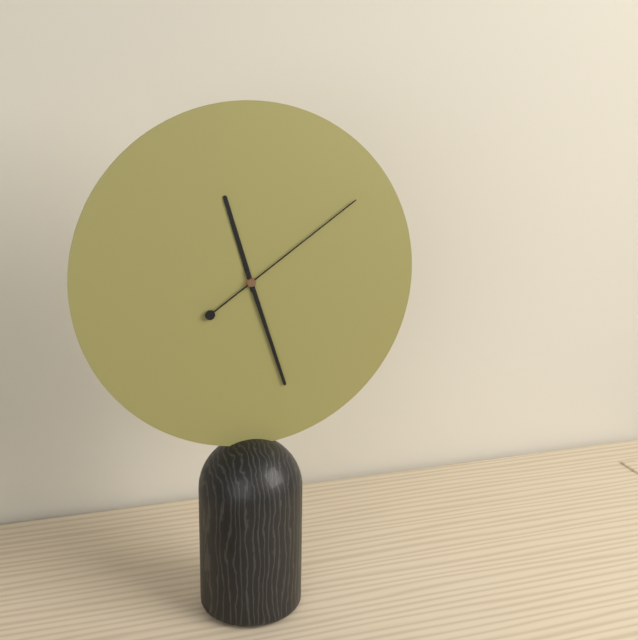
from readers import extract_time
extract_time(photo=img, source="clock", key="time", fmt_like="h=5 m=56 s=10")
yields h=11 m=27 s=9
